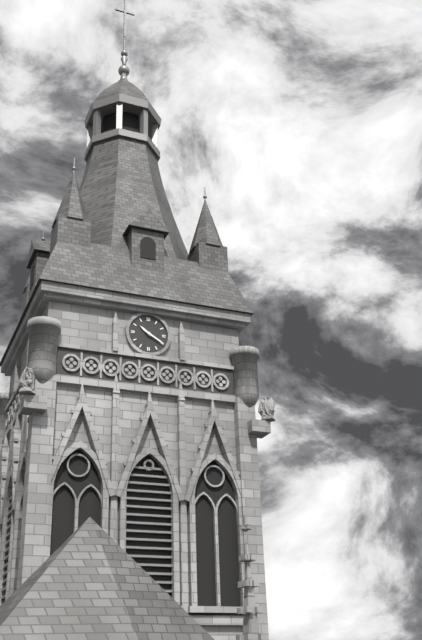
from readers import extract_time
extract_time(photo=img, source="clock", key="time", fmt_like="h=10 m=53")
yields h=10 m=20
